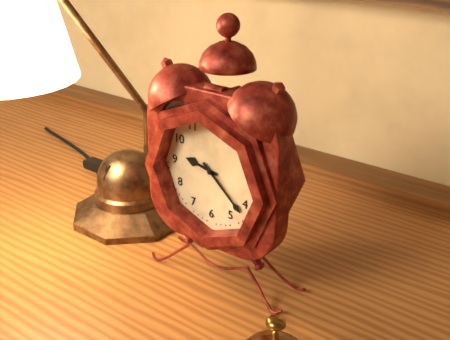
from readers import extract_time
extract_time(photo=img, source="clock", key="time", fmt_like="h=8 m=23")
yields h=9 m=22
